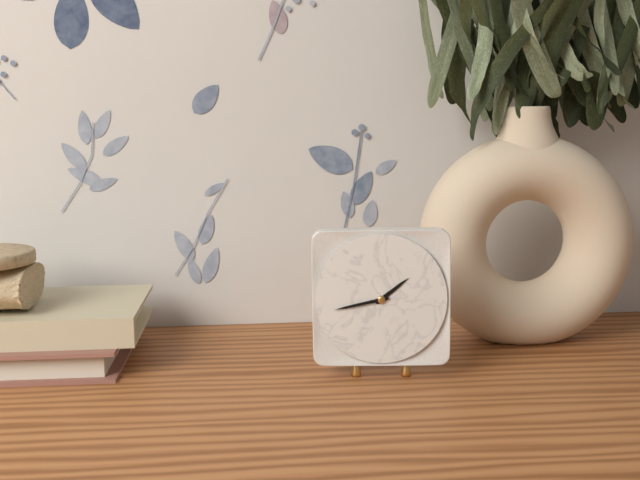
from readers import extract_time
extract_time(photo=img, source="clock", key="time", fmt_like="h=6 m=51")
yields h=1 m=43
